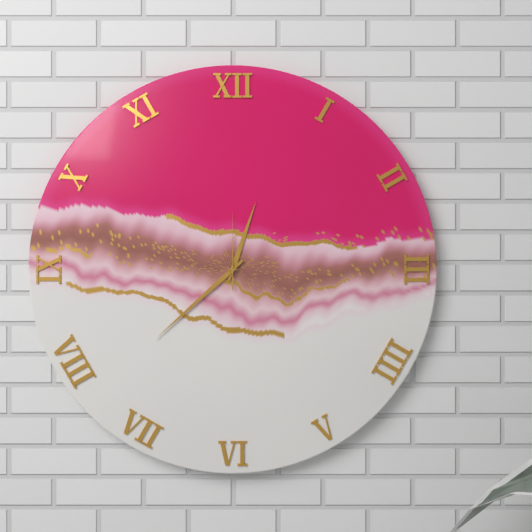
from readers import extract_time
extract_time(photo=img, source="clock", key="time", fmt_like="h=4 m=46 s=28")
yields h=12 m=38 s=0
